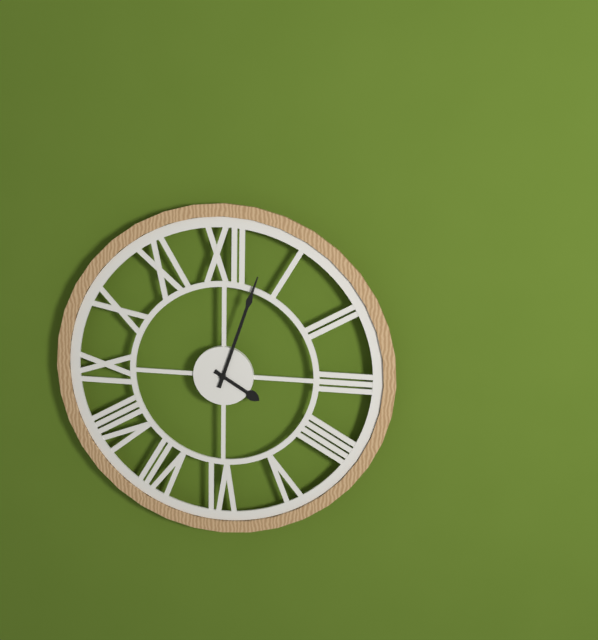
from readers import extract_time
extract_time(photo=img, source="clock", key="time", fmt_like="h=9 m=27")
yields h=4 m=3
